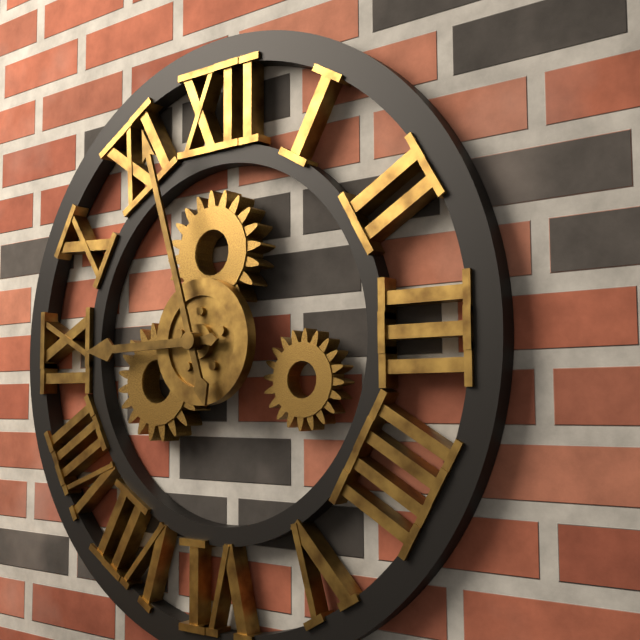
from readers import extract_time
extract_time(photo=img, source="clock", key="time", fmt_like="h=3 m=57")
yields h=8 m=57
